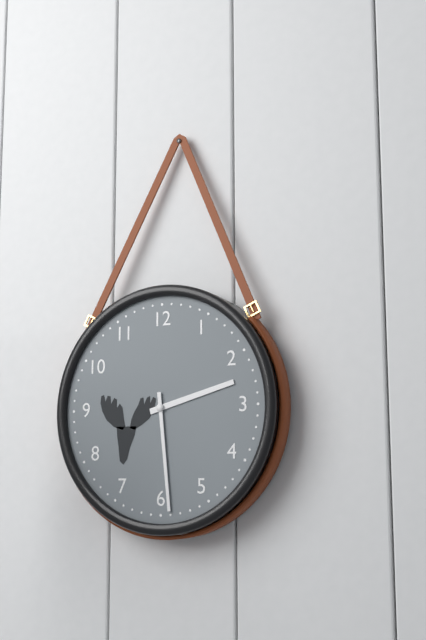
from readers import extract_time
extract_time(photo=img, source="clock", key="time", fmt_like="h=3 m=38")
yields h=2 m=29
